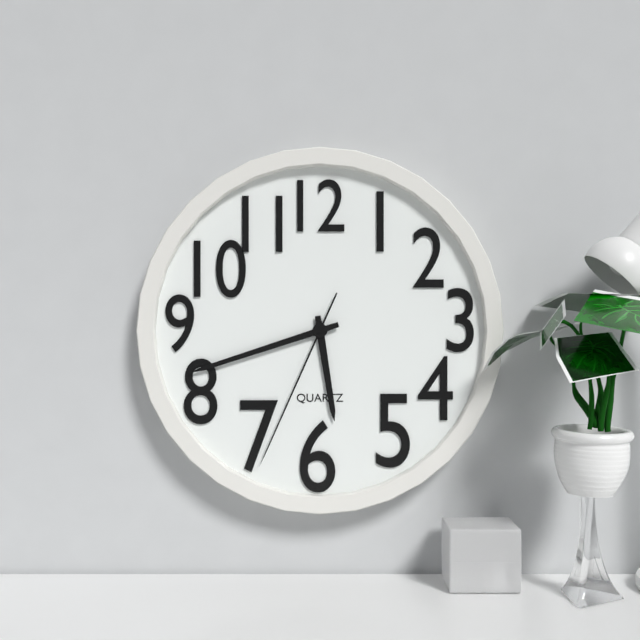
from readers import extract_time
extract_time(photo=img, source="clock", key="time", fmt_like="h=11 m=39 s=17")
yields h=5 m=42 s=34
